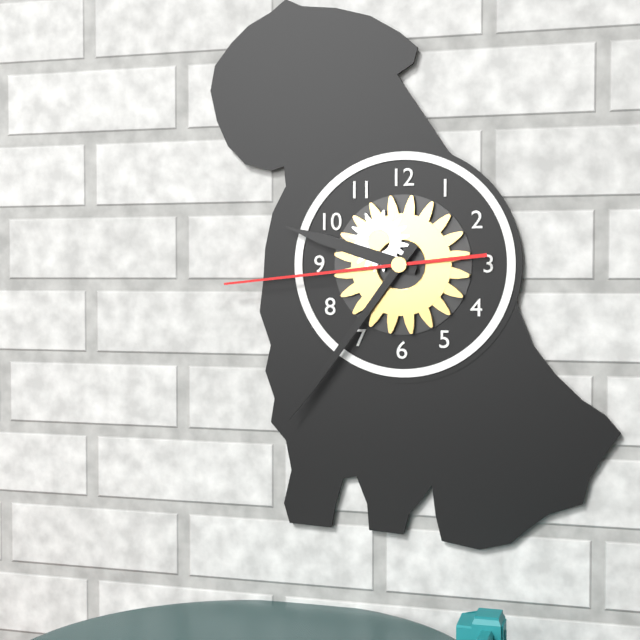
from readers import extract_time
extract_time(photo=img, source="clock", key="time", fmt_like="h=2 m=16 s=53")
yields h=9 m=36 s=44
